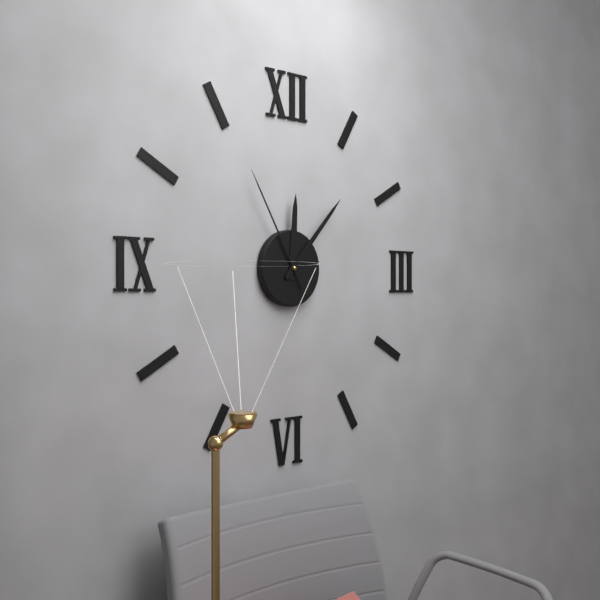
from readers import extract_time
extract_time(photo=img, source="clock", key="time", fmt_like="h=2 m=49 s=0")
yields h=12 m=7 s=55
